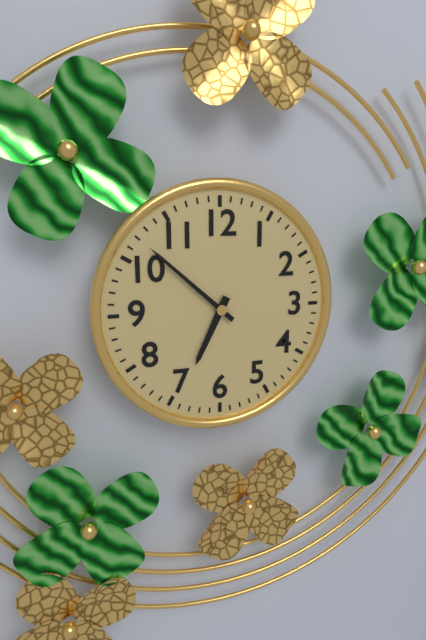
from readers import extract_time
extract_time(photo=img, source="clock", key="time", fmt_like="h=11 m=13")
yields h=6 m=52
